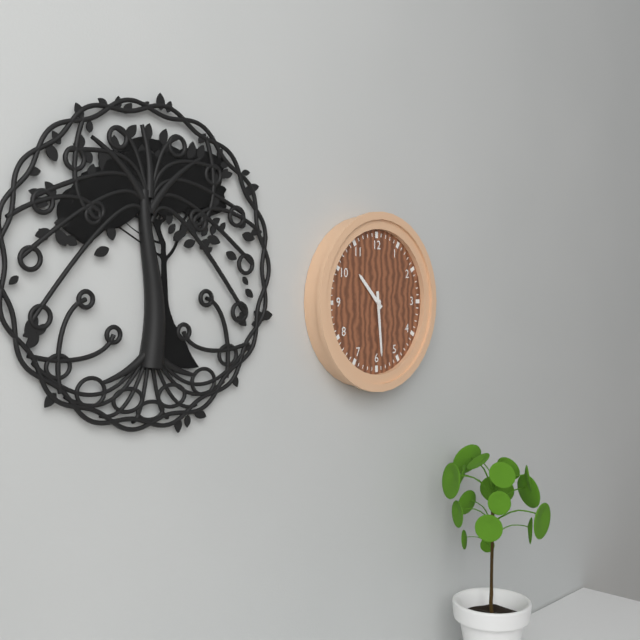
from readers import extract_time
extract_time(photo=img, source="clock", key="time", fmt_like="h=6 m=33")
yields h=10 m=29
